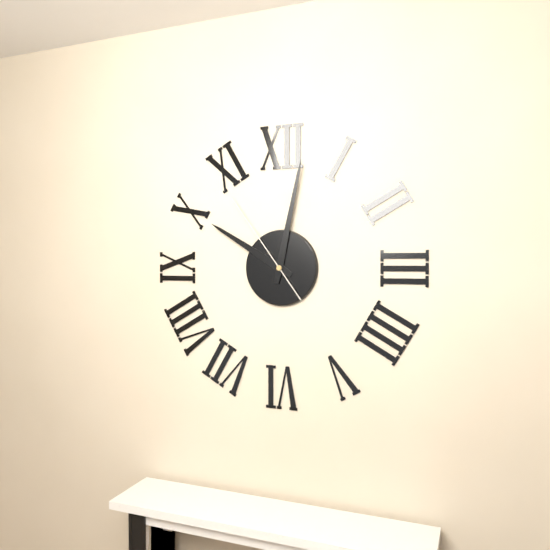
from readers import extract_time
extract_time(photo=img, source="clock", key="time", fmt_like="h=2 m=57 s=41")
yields h=10 m=2 s=54
